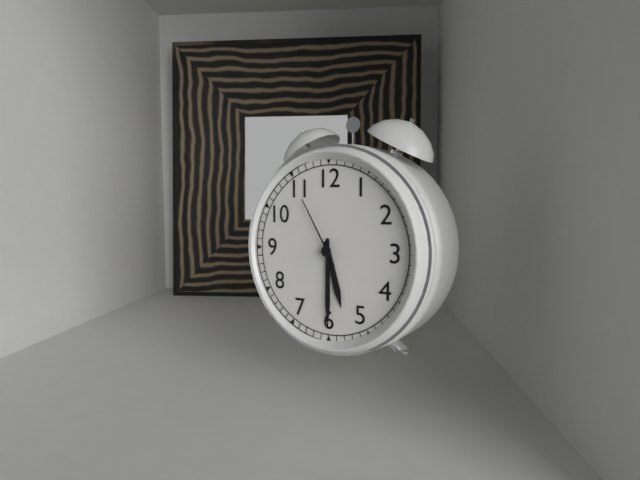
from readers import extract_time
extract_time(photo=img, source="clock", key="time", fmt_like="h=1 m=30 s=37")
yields h=5 m=30 s=55
